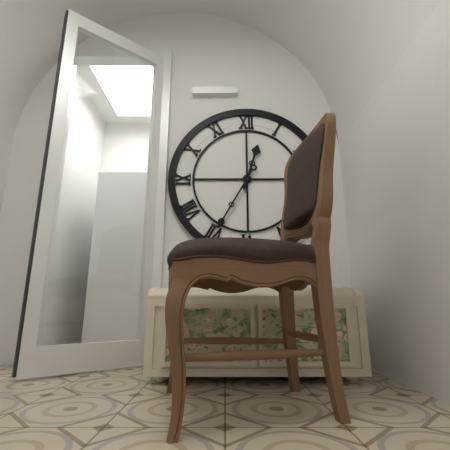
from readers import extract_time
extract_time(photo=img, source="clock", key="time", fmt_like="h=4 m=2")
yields h=12 m=35
